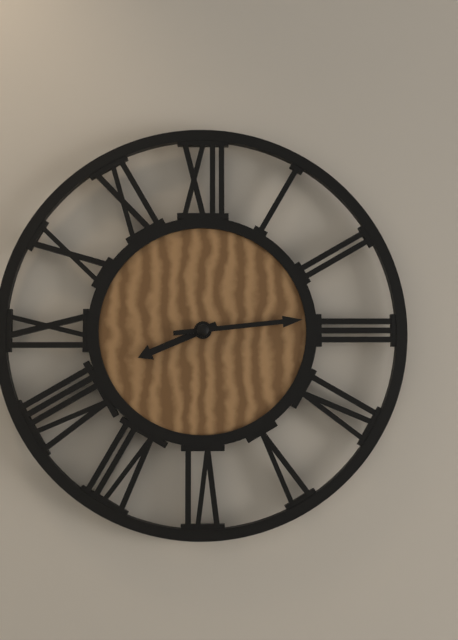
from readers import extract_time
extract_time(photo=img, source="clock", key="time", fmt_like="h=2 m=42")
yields h=8 m=14
